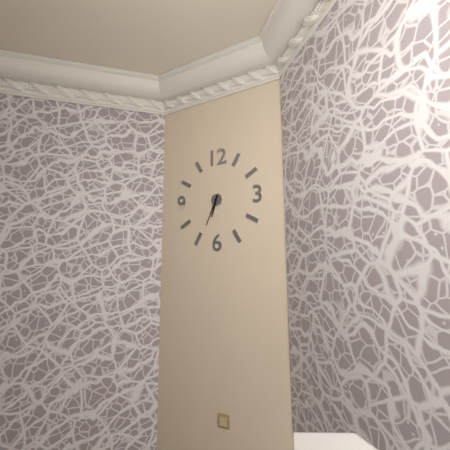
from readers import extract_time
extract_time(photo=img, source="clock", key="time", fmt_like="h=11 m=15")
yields h=6 m=34
